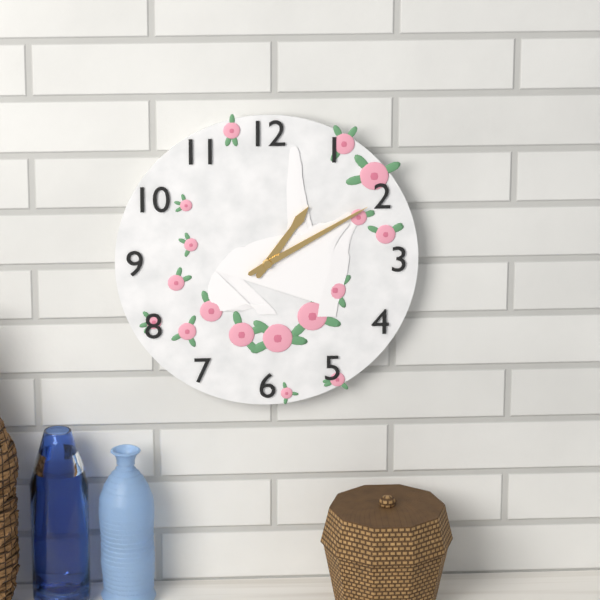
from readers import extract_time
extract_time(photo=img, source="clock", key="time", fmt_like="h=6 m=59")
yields h=1 m=10
